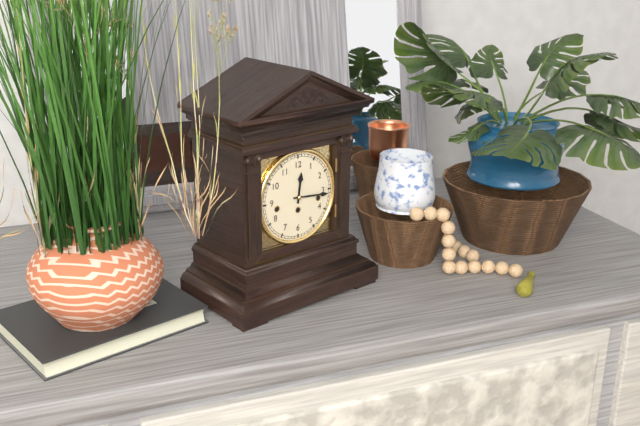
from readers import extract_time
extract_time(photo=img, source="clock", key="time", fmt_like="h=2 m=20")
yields h=12 m=16
